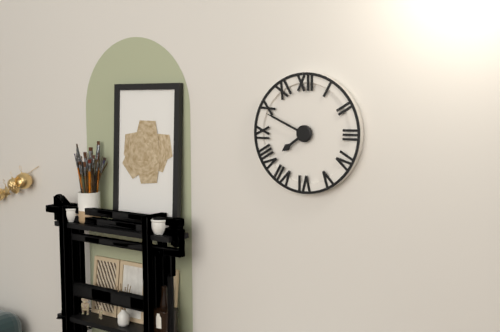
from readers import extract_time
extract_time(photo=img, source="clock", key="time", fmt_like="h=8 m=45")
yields h=7 m=49
